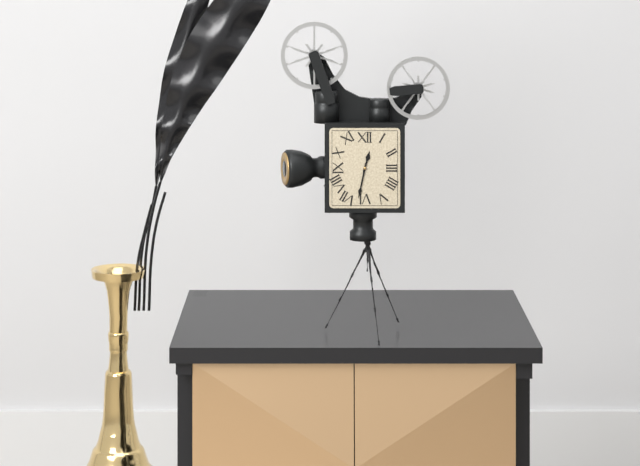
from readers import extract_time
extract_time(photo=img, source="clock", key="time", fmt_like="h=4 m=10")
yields h=12 m=32
